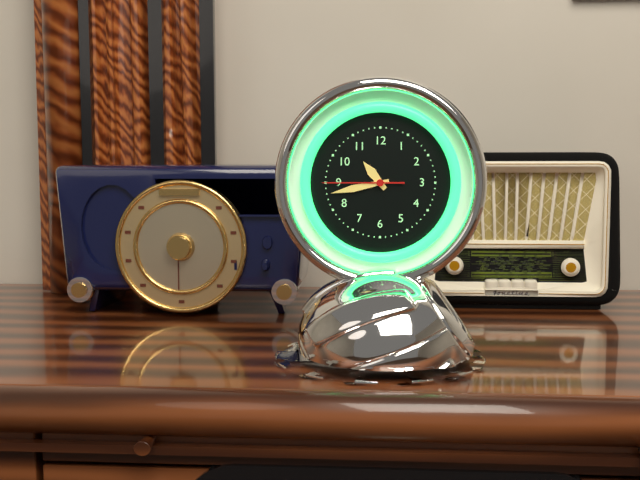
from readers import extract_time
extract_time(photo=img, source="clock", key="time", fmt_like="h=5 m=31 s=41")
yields h=10 m=43 s=45
